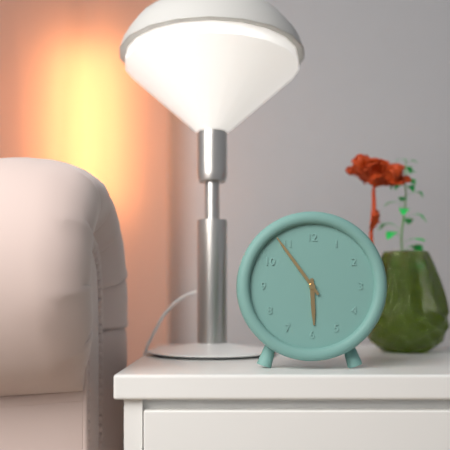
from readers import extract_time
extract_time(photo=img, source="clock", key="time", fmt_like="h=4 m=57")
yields h=5 m=54
